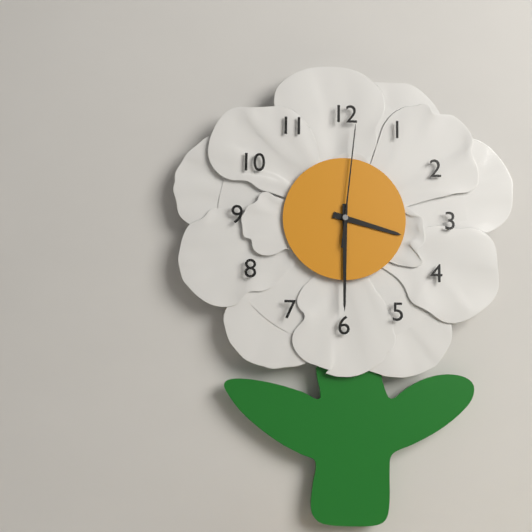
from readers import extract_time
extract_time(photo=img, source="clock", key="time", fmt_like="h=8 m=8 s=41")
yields h=3 m=30 s=1
